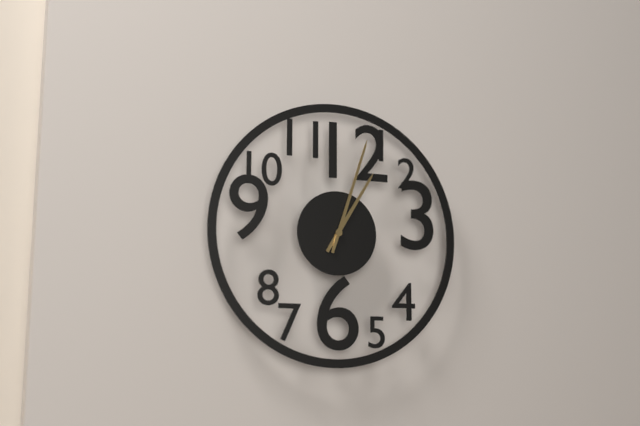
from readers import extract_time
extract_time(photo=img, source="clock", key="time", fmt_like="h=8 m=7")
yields h=1 m=3
